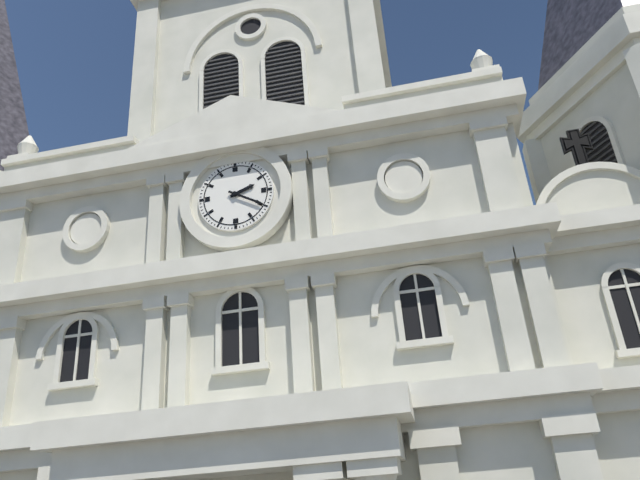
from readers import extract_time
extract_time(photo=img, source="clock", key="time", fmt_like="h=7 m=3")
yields h=2 m=20
